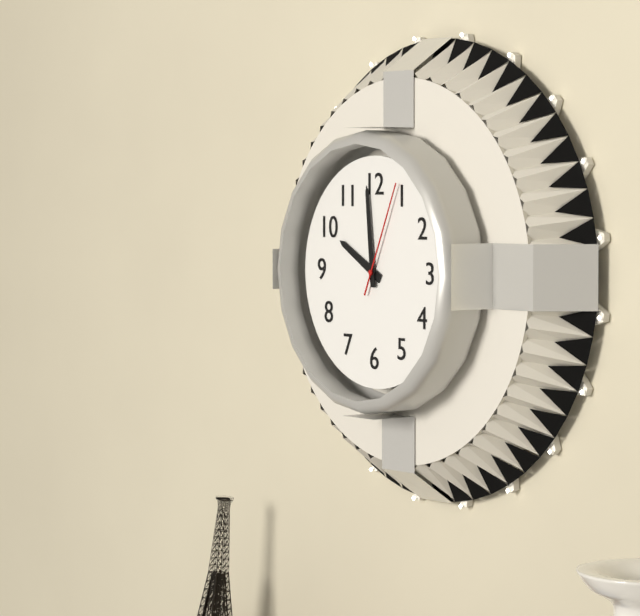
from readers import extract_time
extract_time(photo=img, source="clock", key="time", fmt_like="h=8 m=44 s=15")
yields h=9 m=59 s=4
